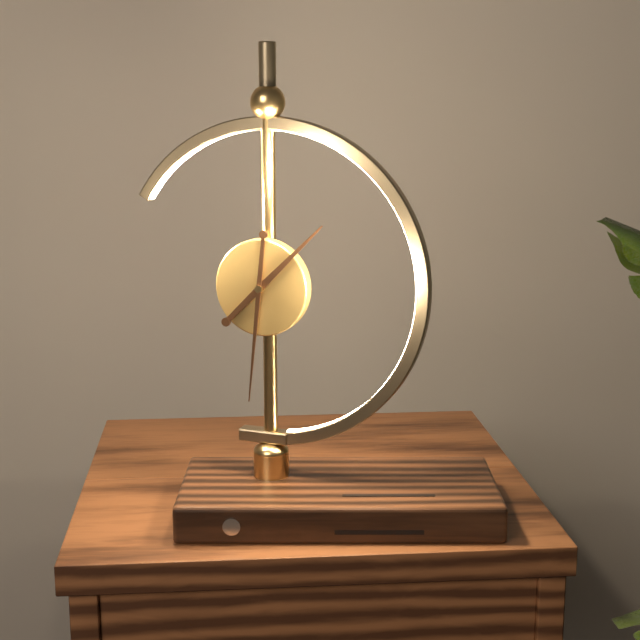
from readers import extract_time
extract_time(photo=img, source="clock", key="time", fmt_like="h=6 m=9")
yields h=1 m=31
